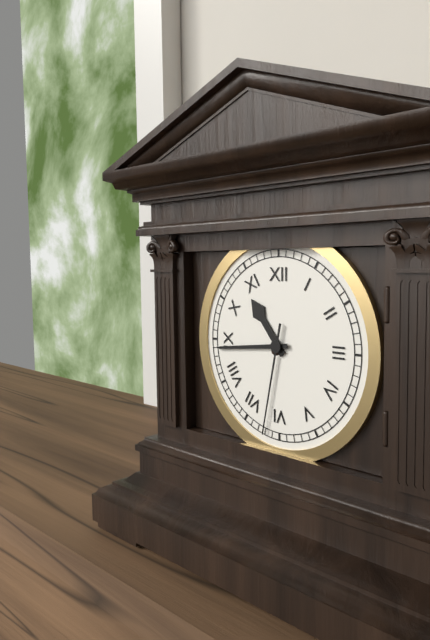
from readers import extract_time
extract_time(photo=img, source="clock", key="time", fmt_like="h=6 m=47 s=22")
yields h=10 m=44 s=32
